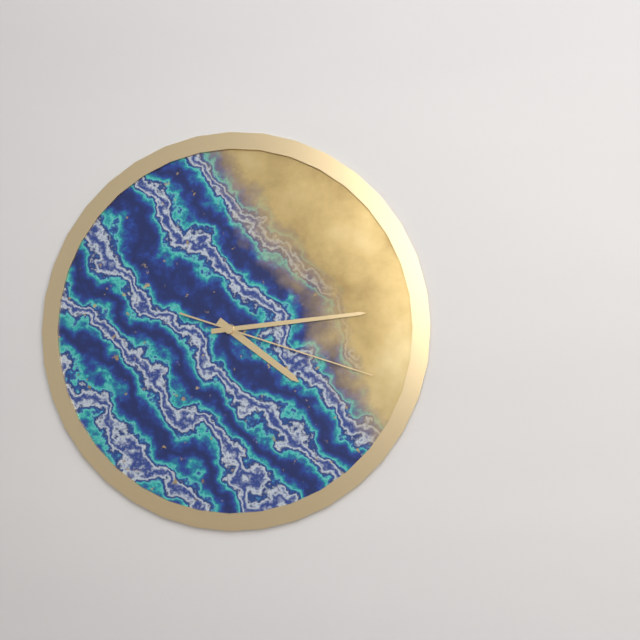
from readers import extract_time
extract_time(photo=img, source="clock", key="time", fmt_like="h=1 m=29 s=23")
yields h=4 m=14 s=18
